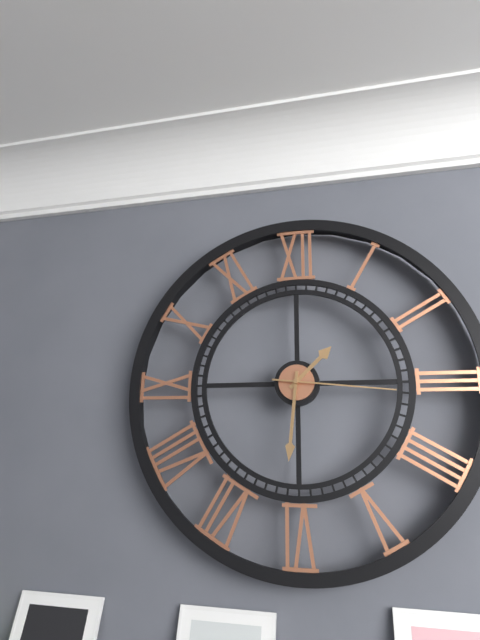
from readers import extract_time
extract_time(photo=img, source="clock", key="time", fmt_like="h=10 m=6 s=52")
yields h=1 m=31 s=16
